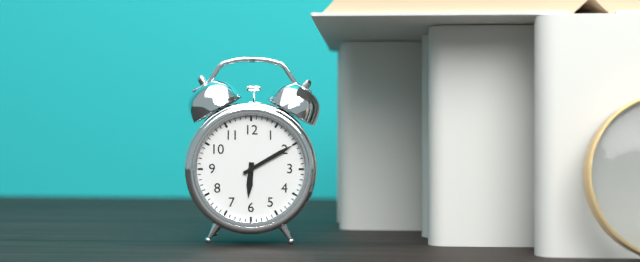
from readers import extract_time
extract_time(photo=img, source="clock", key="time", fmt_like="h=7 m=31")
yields h=6 m=10
